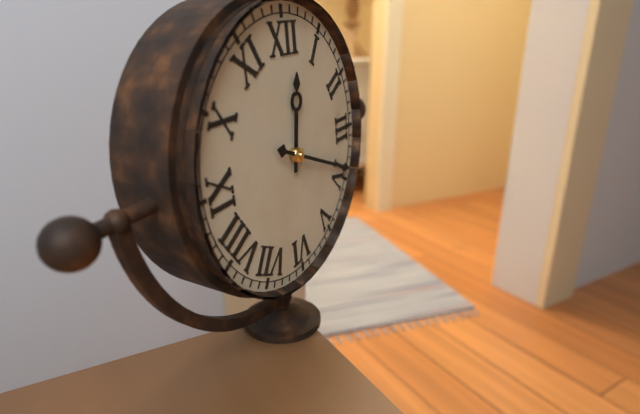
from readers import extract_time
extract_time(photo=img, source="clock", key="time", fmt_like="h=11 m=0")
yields h=12 m=19
